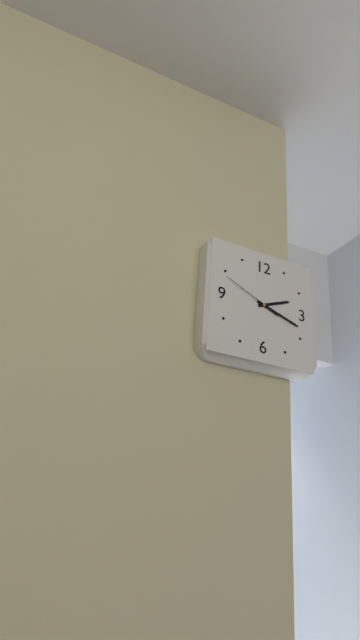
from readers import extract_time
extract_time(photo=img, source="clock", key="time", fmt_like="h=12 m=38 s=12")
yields h=2 m=18 s=49
